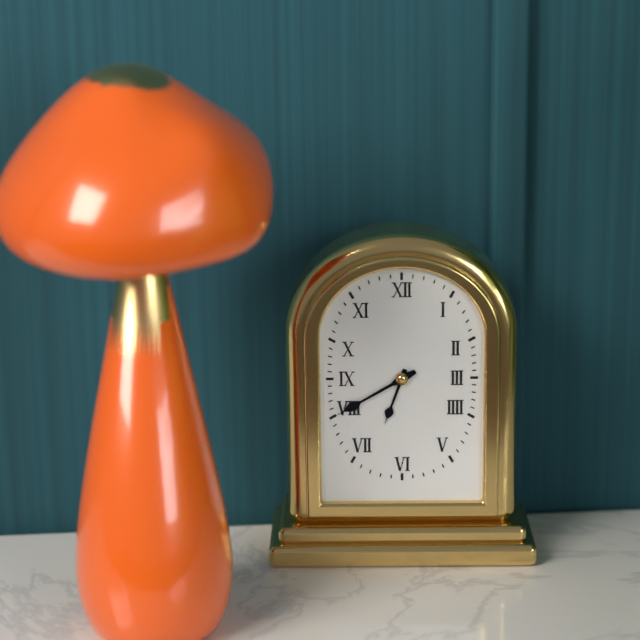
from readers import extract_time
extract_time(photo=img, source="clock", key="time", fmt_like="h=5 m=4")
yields h=6 m=40
